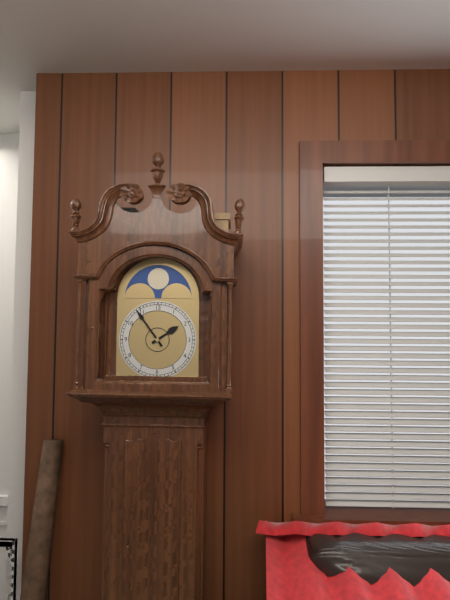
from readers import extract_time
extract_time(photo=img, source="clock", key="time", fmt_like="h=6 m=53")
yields h=1 m=54
